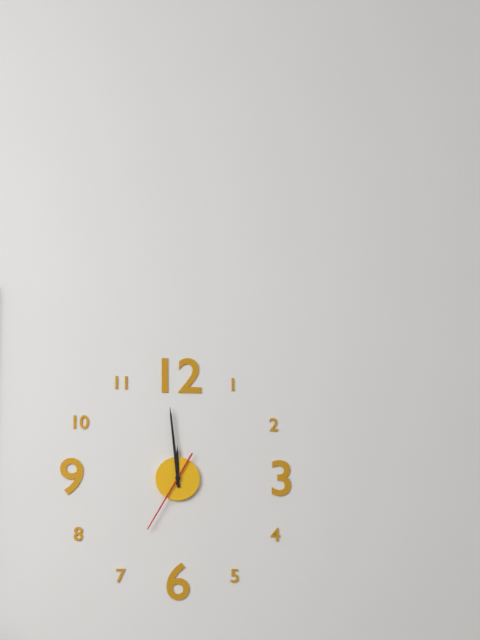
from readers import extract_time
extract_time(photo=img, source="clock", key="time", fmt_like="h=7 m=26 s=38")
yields h=11 m=59 s=35
